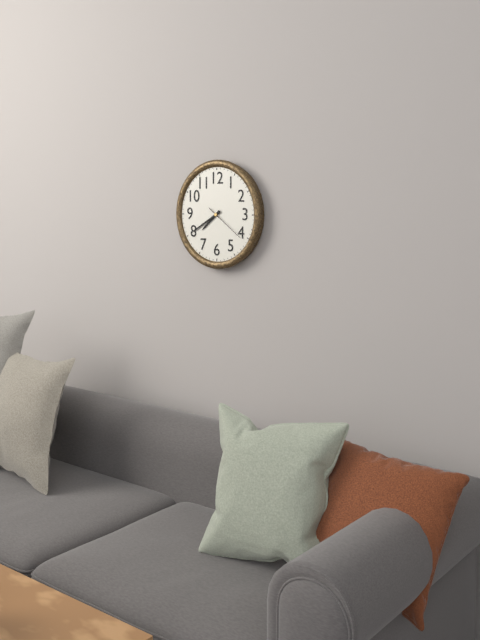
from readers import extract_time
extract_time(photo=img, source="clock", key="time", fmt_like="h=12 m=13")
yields h=7 m=40
